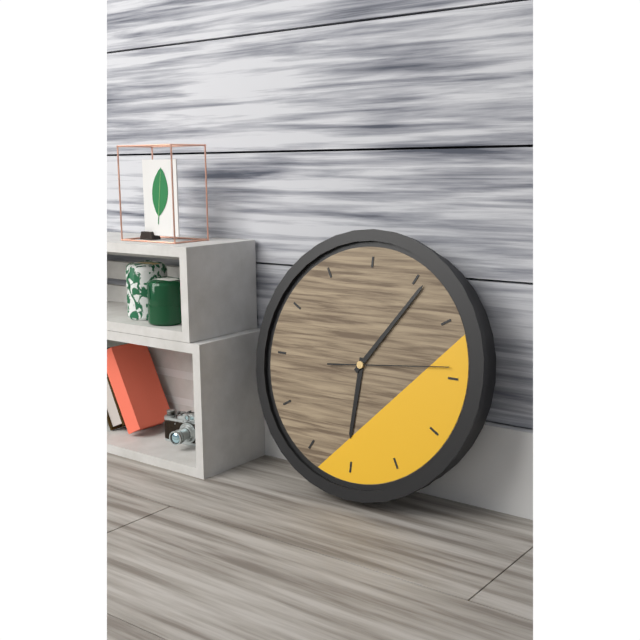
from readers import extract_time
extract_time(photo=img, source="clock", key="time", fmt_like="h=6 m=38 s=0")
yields h=6 m=6 s=14
